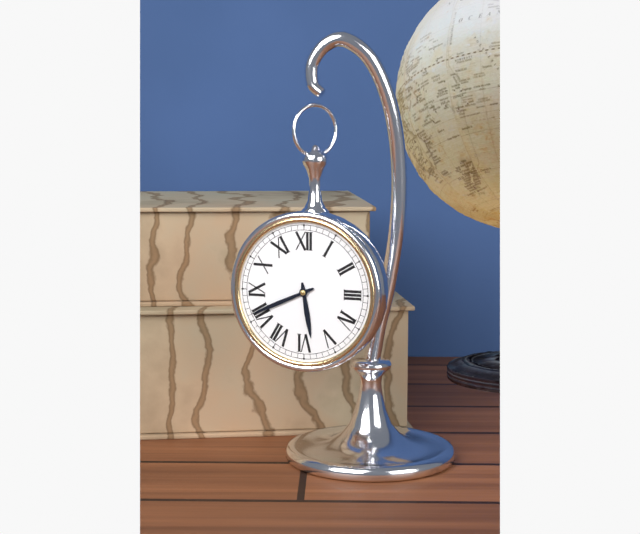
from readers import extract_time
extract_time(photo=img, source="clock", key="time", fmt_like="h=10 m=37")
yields h=5 m=41
